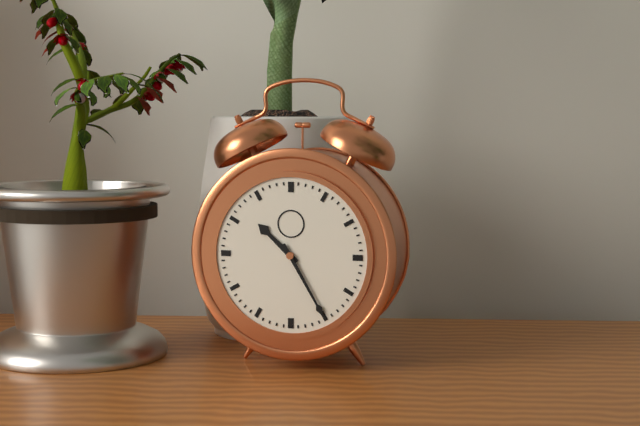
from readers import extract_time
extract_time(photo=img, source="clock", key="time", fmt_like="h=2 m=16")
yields h=10 m=25
